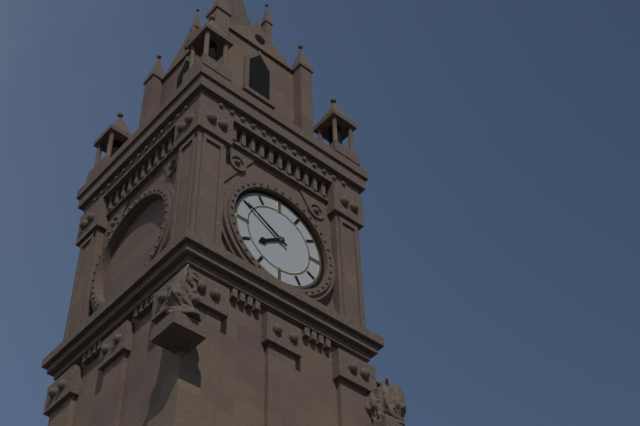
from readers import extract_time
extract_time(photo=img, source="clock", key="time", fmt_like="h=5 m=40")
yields h=7 m=50
